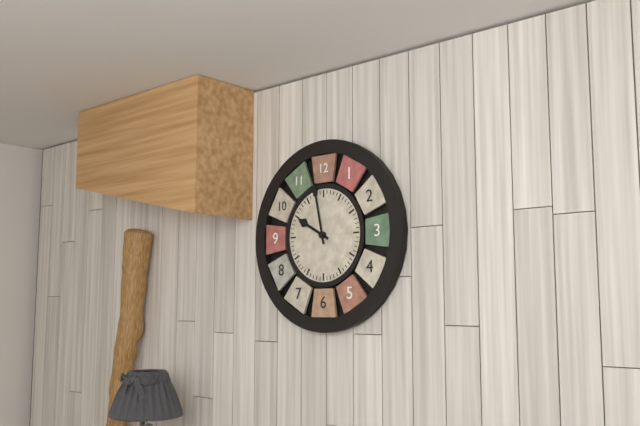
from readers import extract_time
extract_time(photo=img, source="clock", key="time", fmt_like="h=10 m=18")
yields h=9 m=58
